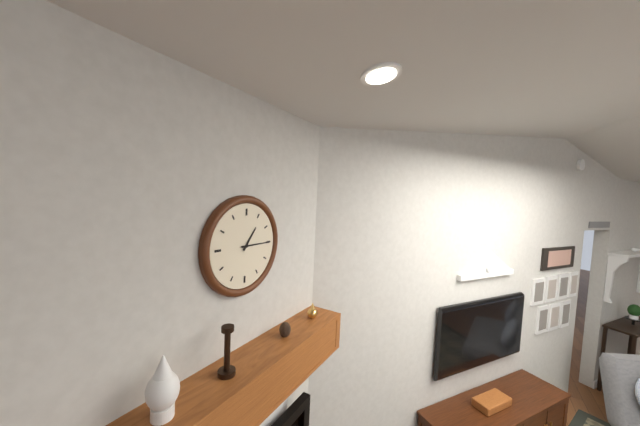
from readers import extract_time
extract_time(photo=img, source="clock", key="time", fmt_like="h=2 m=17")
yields h=1 m=15
